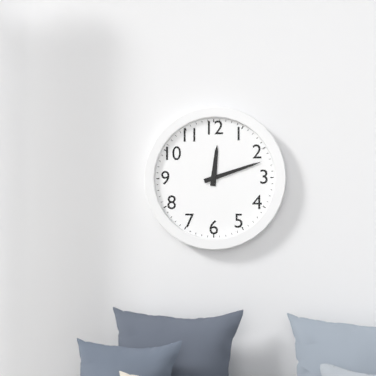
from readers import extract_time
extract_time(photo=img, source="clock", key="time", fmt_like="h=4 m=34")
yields h=12 m=12
